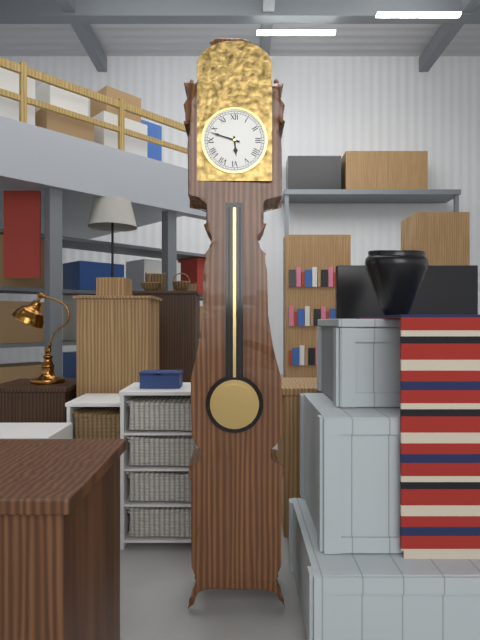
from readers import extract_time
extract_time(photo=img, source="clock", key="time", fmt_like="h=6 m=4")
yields h=5 m=48
